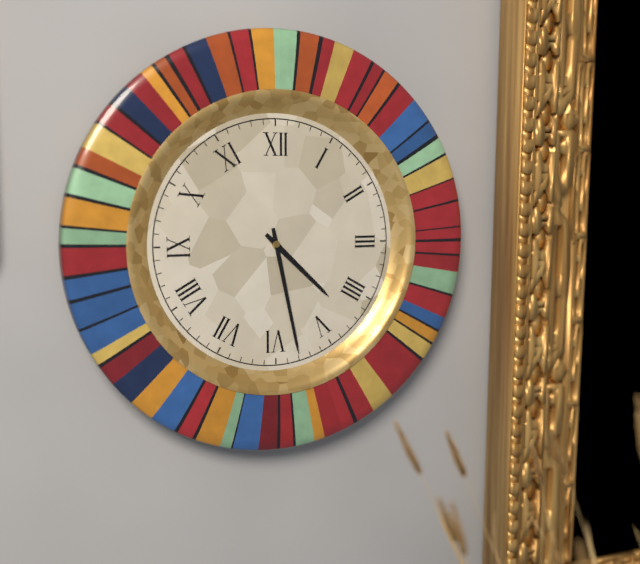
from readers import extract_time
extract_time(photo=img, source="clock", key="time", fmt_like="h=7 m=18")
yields h=4 m=28
